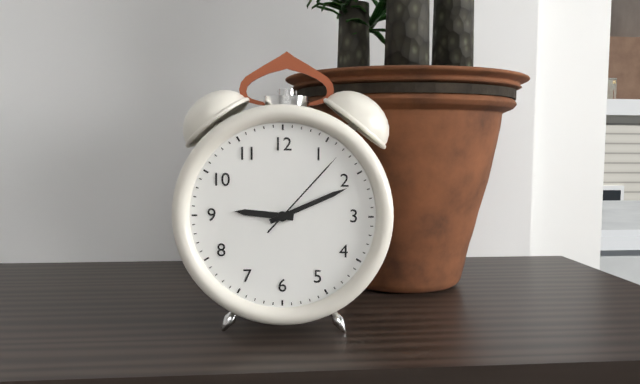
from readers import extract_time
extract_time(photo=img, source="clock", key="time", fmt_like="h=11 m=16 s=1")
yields h=9 m=11 s=7
